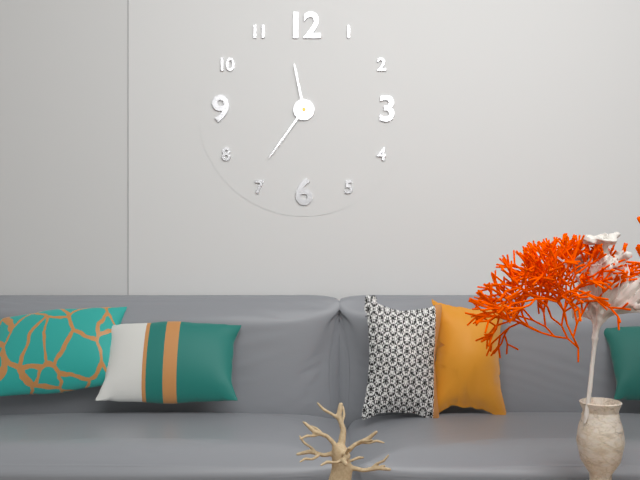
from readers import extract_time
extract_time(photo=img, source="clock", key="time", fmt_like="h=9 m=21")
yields h=11 m=36
